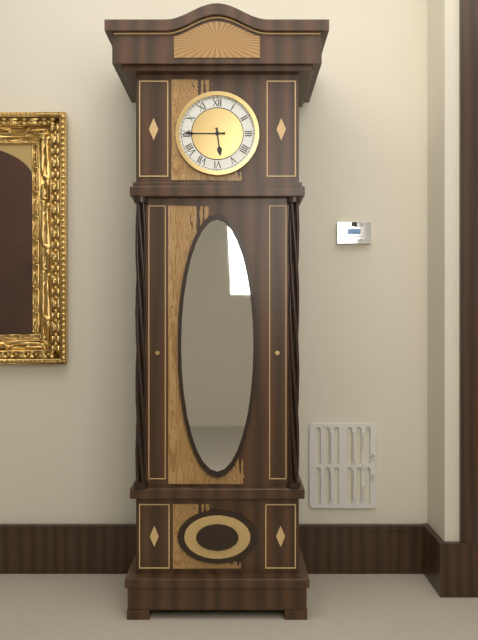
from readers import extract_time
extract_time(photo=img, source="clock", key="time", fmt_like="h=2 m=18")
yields h=5 m=45
